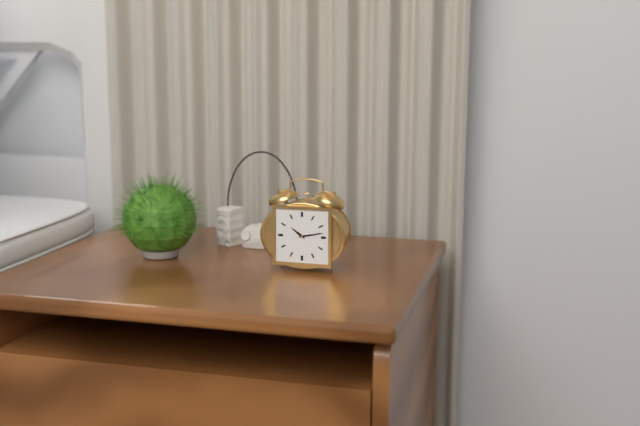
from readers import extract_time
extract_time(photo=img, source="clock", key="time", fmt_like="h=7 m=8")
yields h=10 m=13
